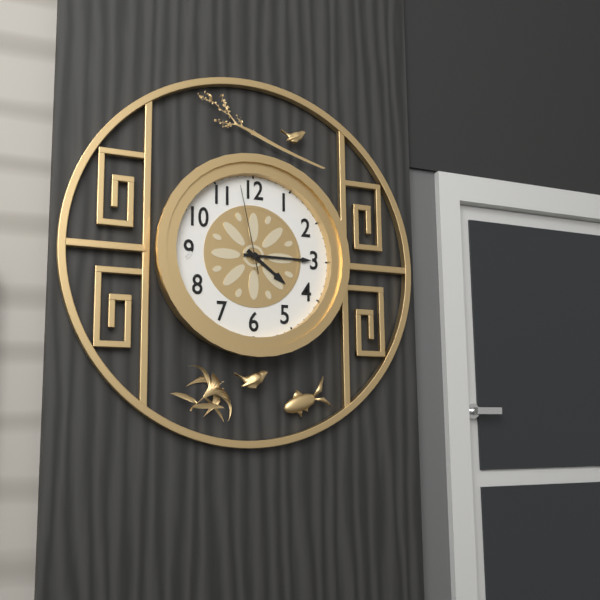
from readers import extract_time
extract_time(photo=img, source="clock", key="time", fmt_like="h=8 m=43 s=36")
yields h=4 m=15 s=58
